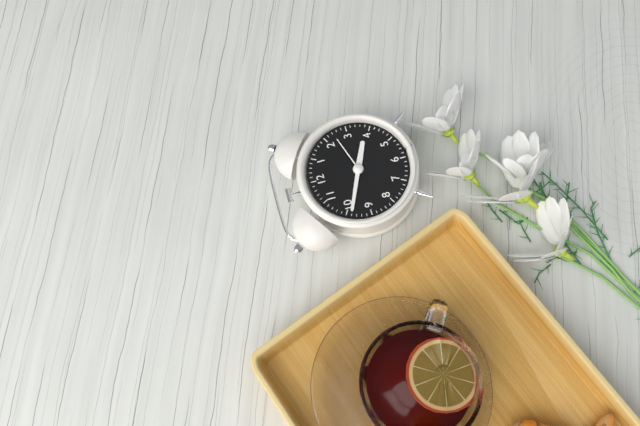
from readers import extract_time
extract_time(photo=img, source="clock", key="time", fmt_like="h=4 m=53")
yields h=3 m=49
